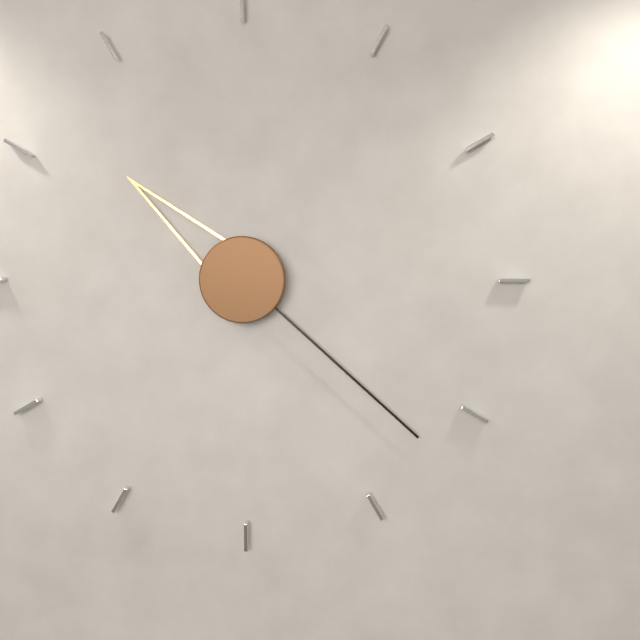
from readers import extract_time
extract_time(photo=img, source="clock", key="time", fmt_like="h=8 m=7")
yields h=10 m=22
